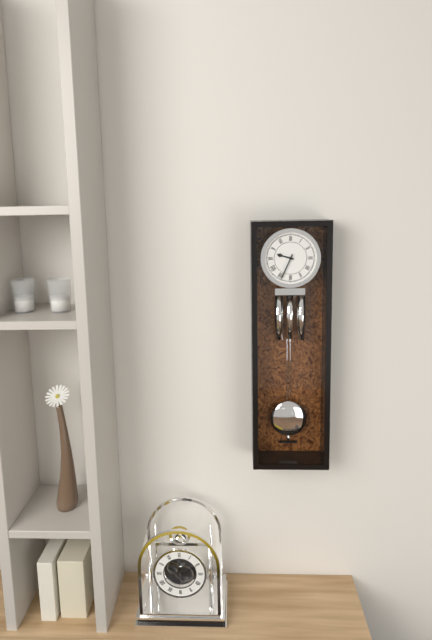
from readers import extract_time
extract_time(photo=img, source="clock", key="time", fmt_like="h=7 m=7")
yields h=9 m=34
